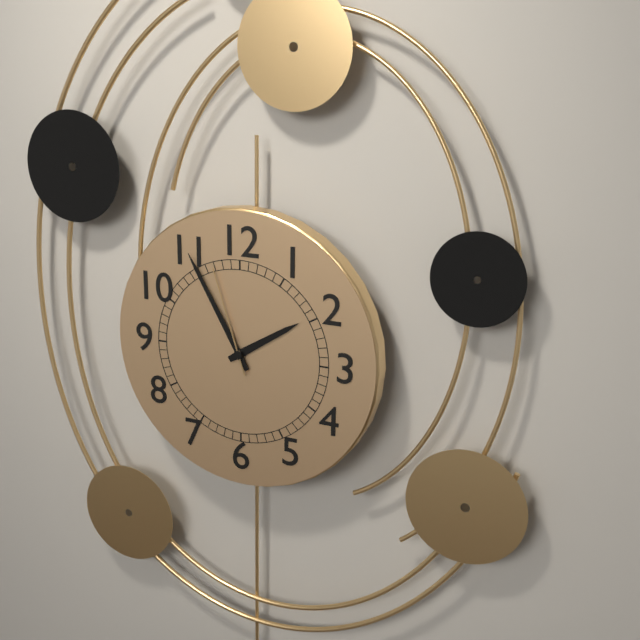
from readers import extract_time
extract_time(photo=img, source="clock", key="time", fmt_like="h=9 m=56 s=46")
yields h=1 m=55 s=57
